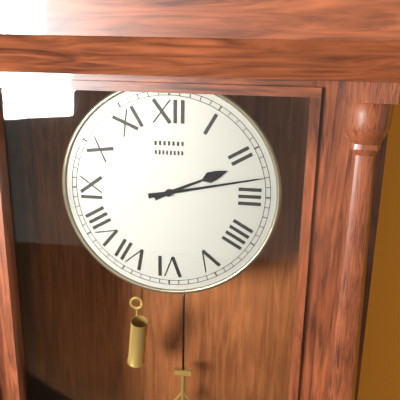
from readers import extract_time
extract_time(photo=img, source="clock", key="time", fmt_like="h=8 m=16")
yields h=2 m=13
